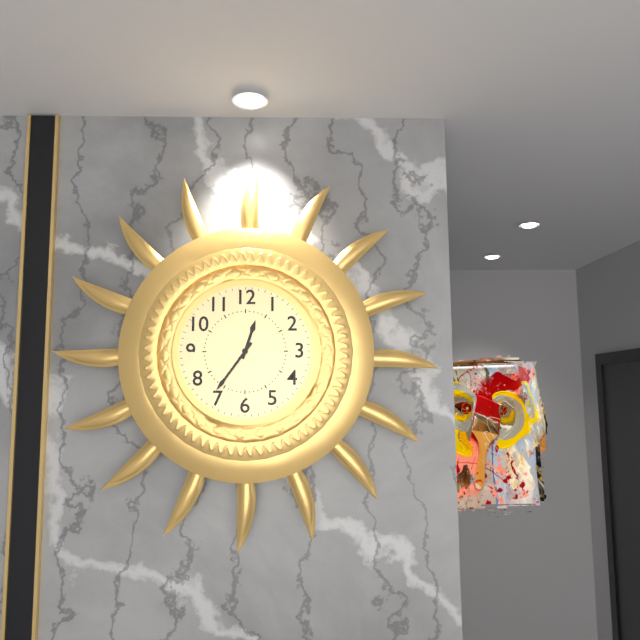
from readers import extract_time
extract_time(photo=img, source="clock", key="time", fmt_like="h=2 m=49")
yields h=12 m=36
